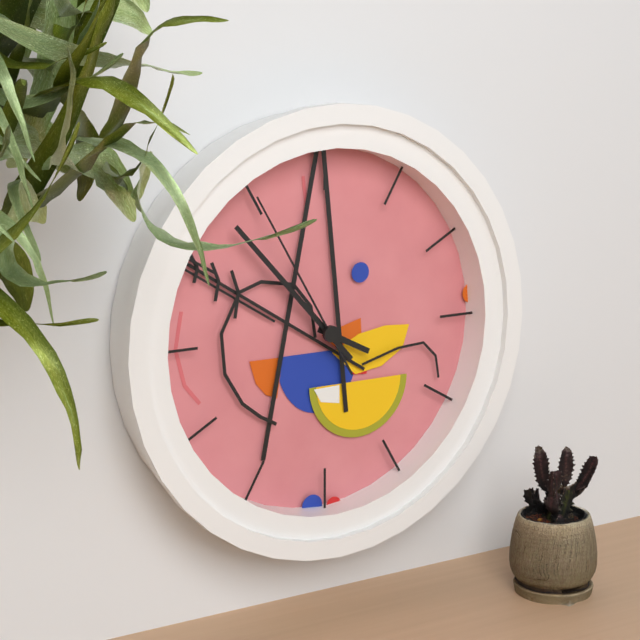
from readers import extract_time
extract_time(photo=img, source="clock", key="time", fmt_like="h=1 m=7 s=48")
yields h=3 m=53 s=55
